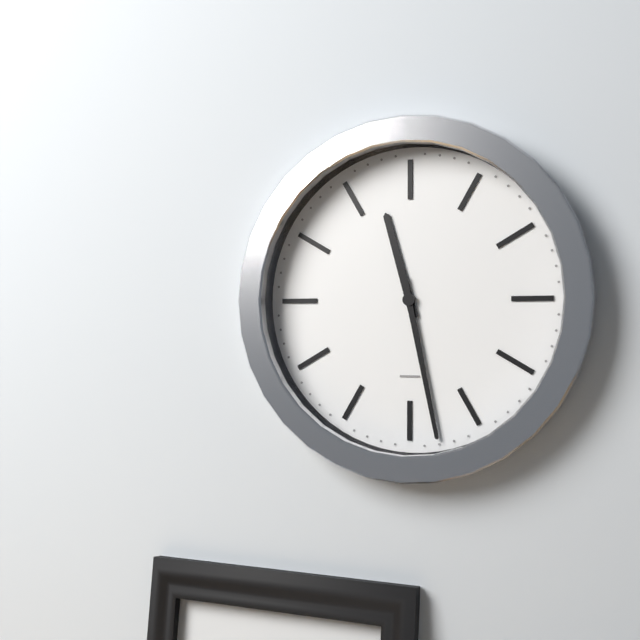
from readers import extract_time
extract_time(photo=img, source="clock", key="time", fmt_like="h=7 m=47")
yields h=11 m=28
